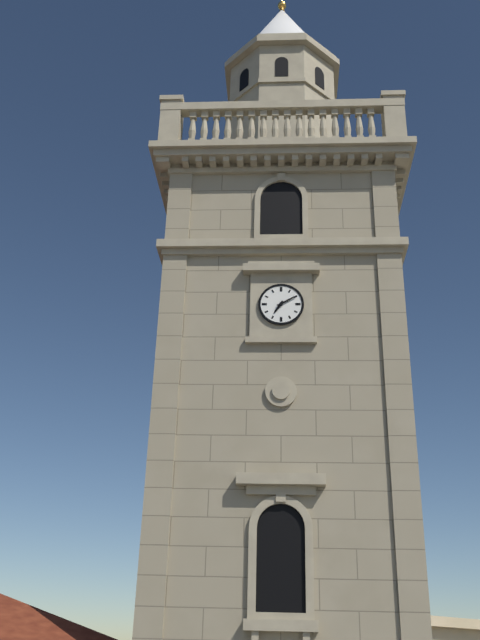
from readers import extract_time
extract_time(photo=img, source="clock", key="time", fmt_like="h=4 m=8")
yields h=7 m=10
